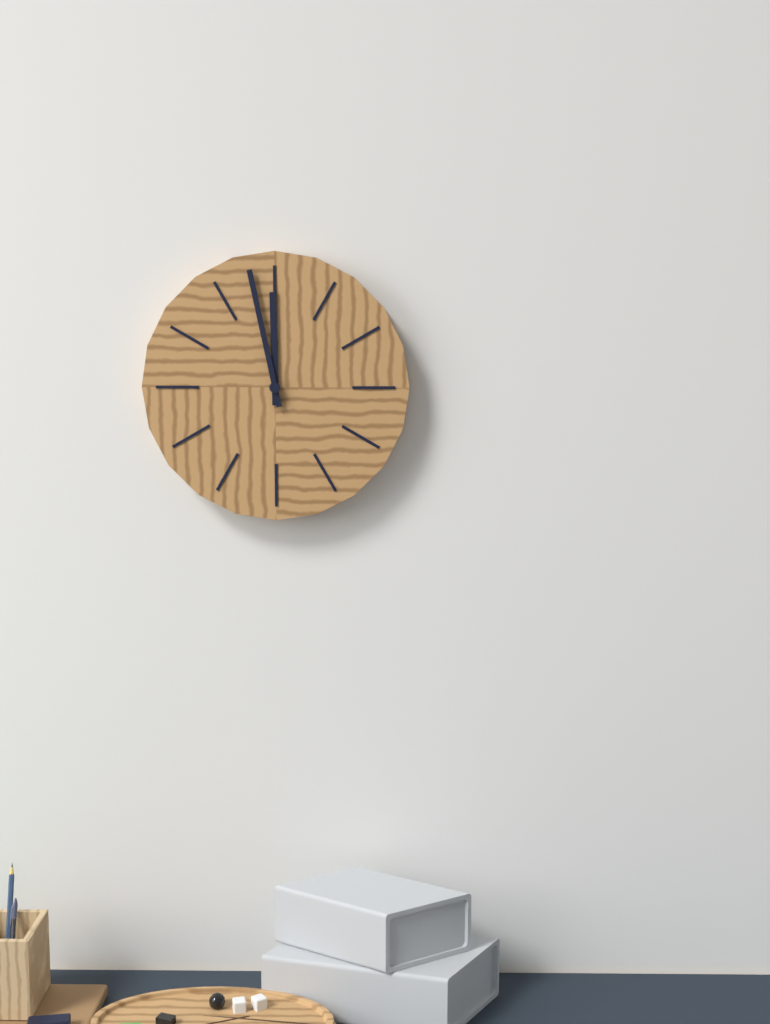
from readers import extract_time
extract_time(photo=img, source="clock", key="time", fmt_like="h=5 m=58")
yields h=11 m=58
